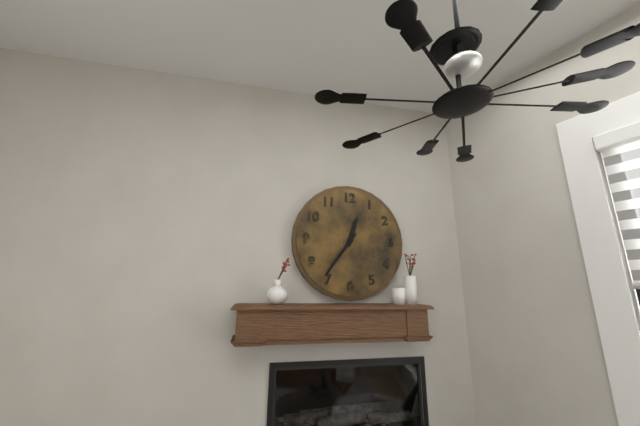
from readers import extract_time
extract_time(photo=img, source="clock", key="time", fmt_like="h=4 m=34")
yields h=12 m=36
